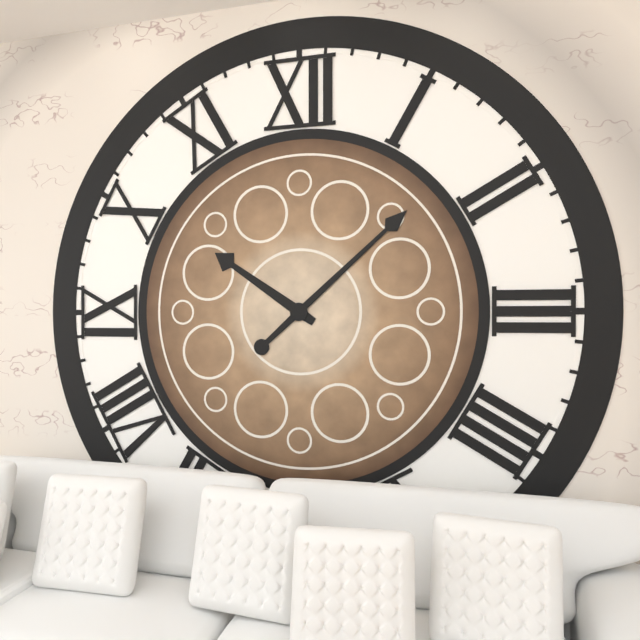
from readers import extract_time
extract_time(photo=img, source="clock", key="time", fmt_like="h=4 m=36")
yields h=10 m=8
